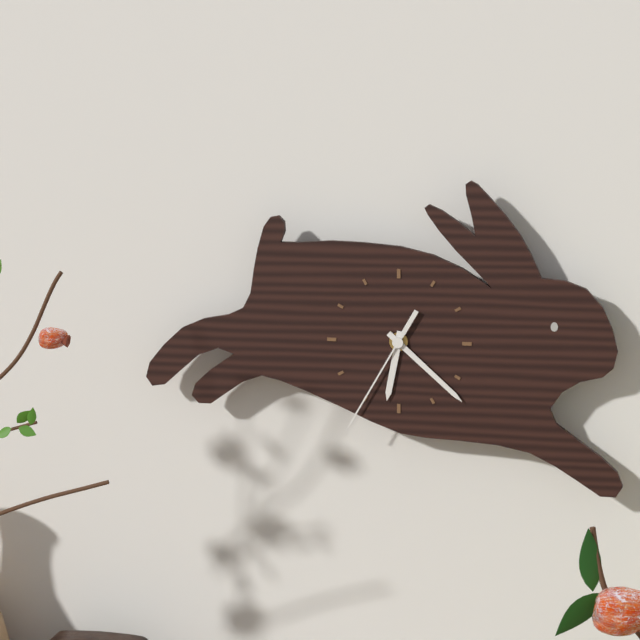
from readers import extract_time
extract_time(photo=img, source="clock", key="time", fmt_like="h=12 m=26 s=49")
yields h=6 m=22 s=35
